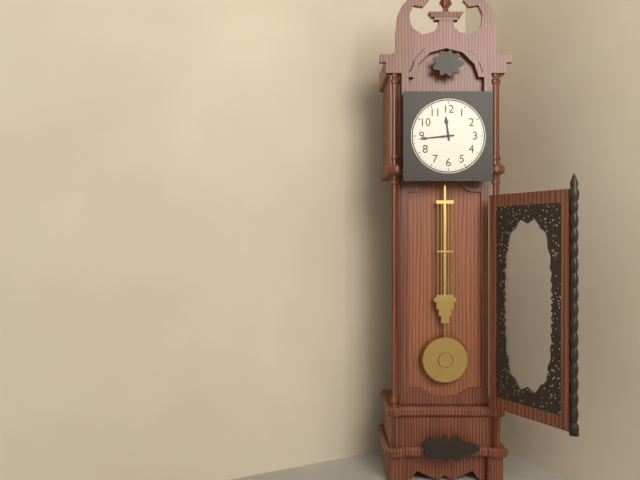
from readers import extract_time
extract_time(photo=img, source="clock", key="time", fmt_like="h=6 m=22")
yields h=11 m=44
